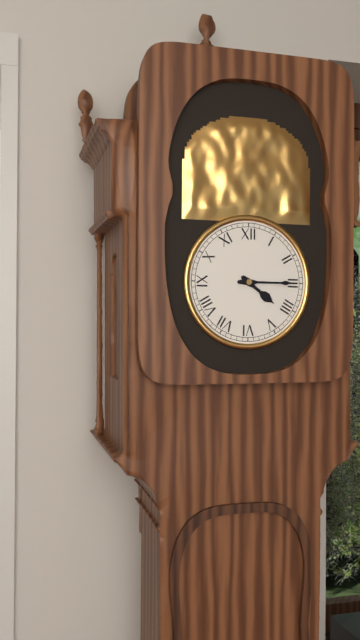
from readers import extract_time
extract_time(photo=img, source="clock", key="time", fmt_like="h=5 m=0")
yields h=4 m=15
